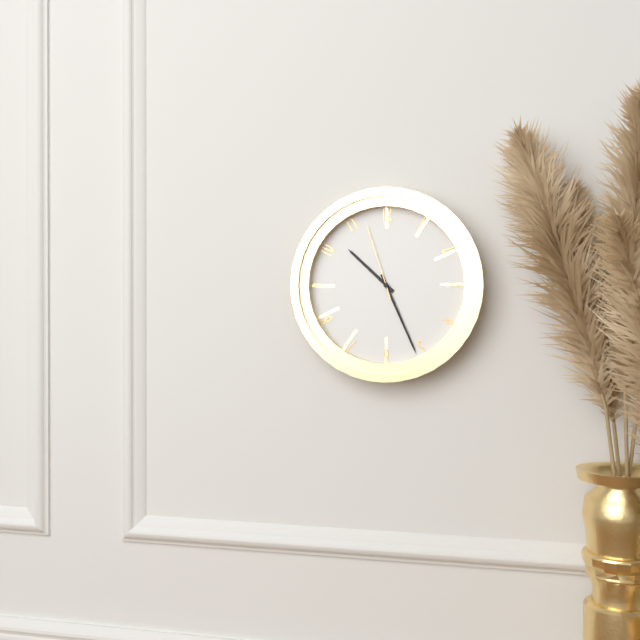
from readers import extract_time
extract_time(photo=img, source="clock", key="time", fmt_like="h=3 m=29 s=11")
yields h=10 m=26 s=57
